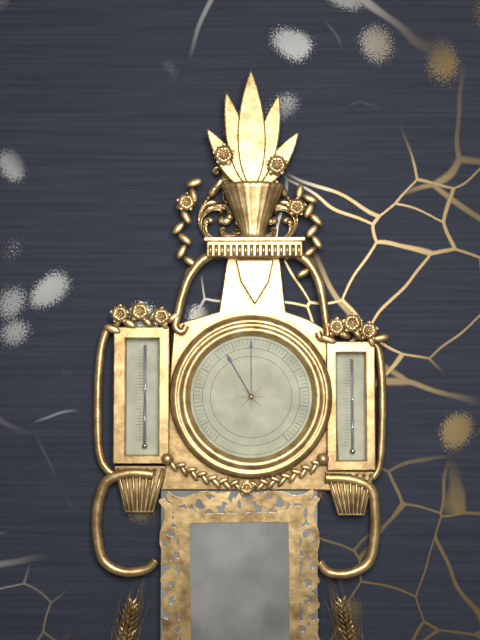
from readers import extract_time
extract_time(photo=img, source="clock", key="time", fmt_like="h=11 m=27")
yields h=11 m=0
